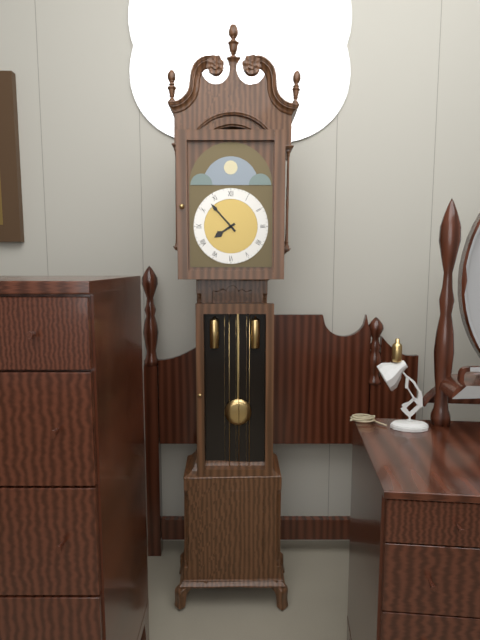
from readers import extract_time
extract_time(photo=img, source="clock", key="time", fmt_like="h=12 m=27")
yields h=7 m=53
